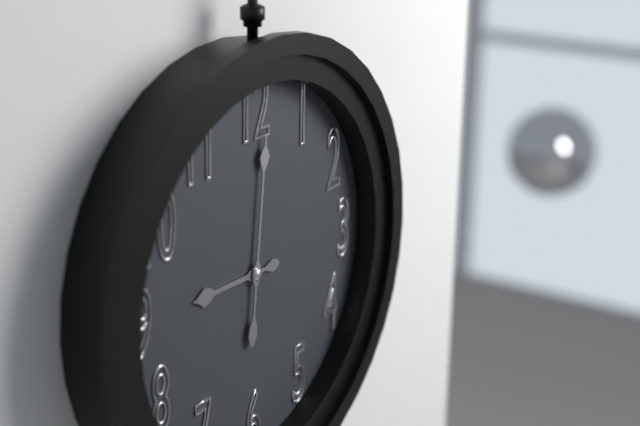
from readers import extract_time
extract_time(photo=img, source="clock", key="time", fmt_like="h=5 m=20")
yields h=9 m=1
